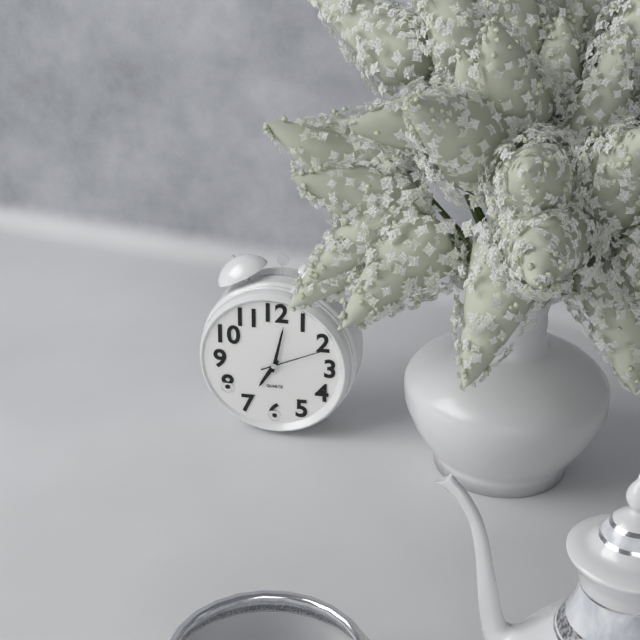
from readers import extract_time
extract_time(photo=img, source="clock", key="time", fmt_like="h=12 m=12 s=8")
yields h=7 m=2 s=11
